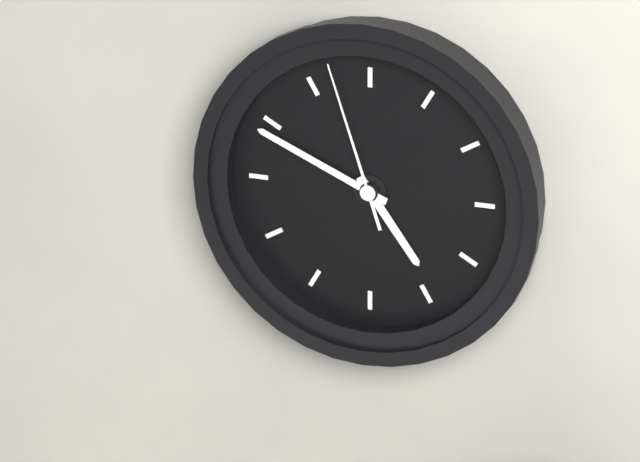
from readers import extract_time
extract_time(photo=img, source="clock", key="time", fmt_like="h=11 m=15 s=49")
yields h=4 m=49 s=57
